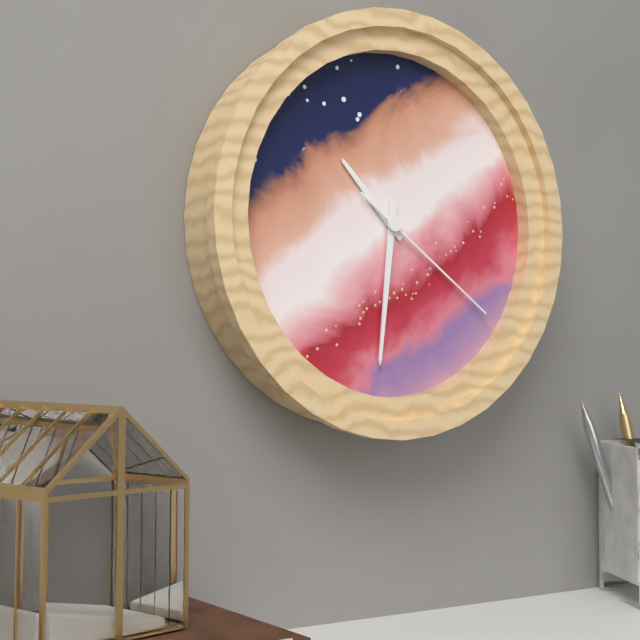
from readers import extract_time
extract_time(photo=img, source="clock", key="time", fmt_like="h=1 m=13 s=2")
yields h=10 m=31 s=21
